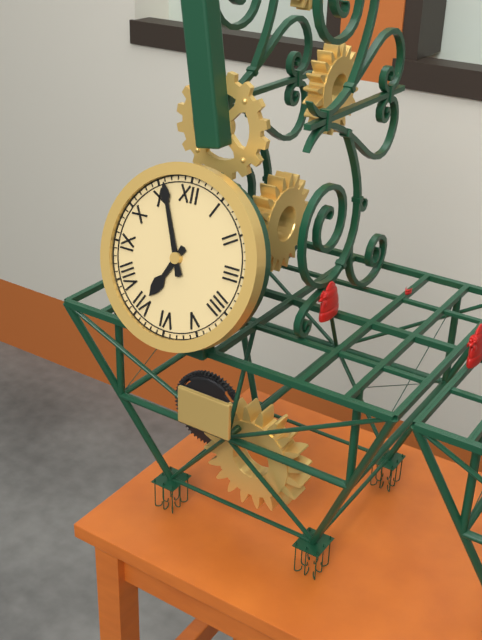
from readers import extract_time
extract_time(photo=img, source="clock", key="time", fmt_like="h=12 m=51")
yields h=6 m=56
